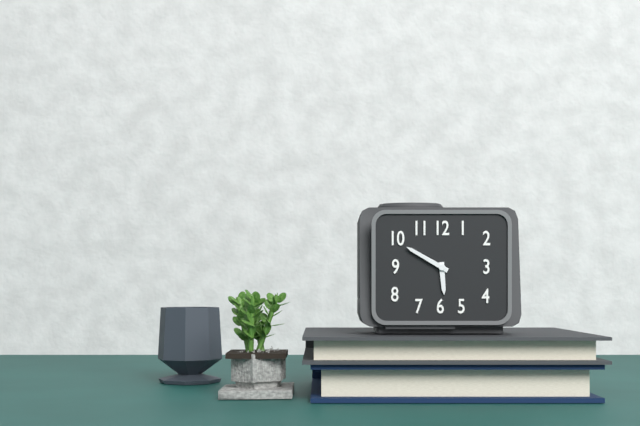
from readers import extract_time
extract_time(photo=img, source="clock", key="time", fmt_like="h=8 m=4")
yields h=5 m=50
